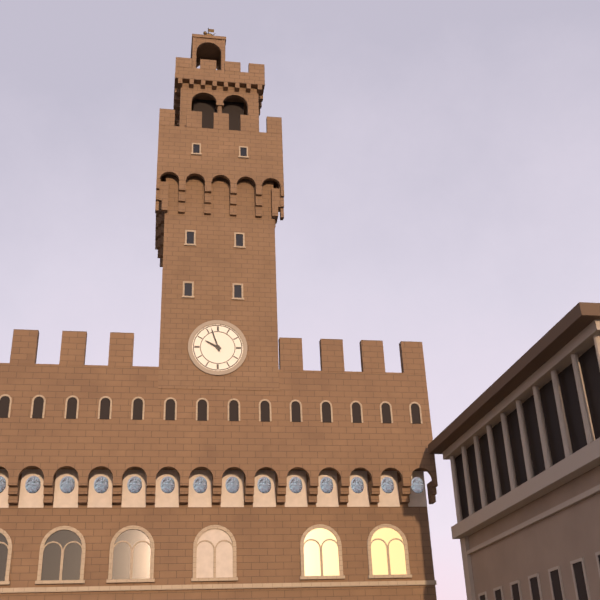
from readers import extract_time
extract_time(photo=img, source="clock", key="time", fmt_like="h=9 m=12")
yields h=9 m=57
